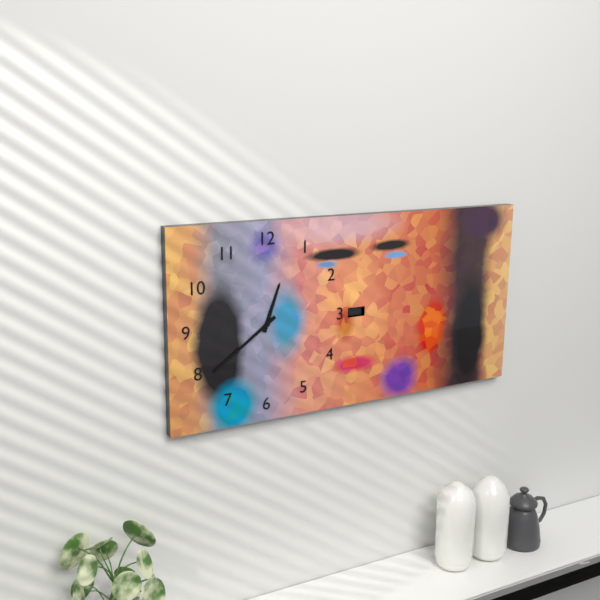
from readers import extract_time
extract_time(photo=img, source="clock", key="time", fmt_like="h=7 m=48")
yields h=12 m=39
